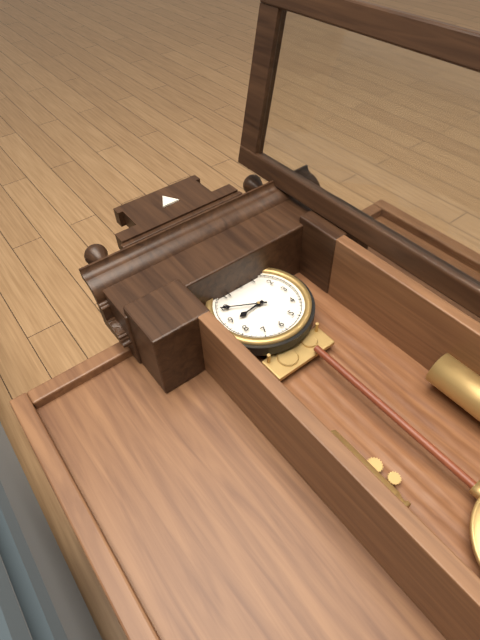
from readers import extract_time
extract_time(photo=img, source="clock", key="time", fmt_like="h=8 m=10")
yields h=8 m=50
